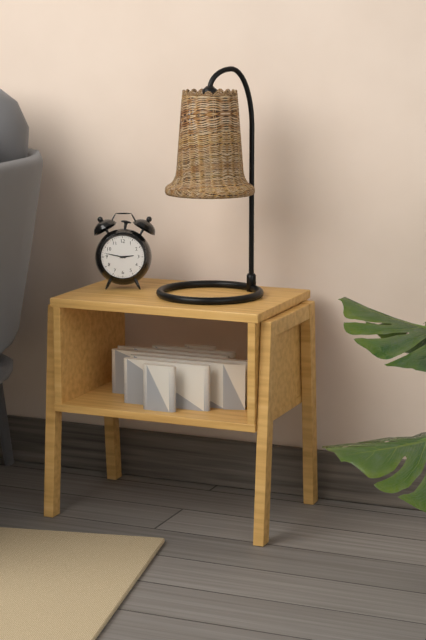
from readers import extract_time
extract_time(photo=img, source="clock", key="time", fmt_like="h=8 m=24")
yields h=2 m=47
